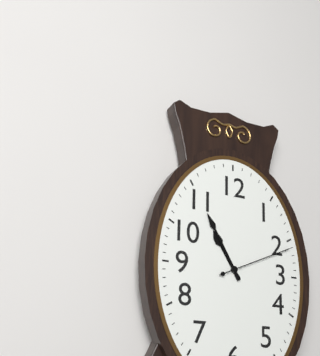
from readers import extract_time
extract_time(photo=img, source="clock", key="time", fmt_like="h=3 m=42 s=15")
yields h=10 m=55 s=11
